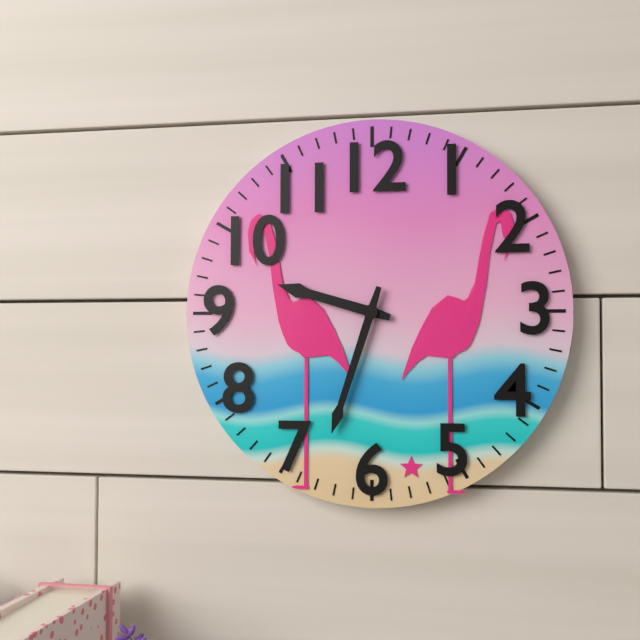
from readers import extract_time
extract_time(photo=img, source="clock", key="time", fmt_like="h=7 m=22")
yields h=9 m=33
